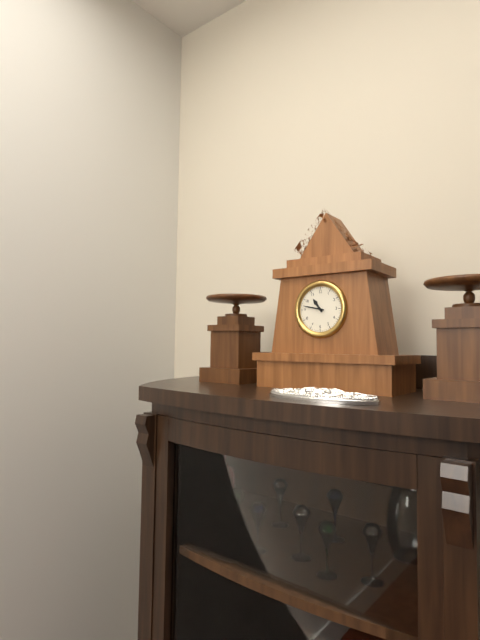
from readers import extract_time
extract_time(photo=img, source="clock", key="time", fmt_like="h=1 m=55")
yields h=10 m=47
